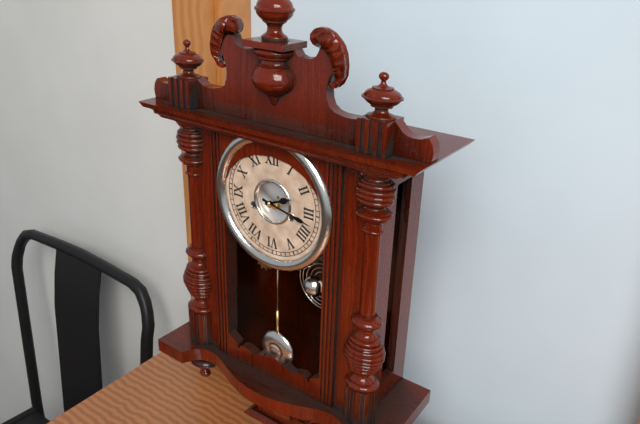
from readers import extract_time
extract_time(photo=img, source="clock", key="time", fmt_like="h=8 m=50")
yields h=2 m=17
